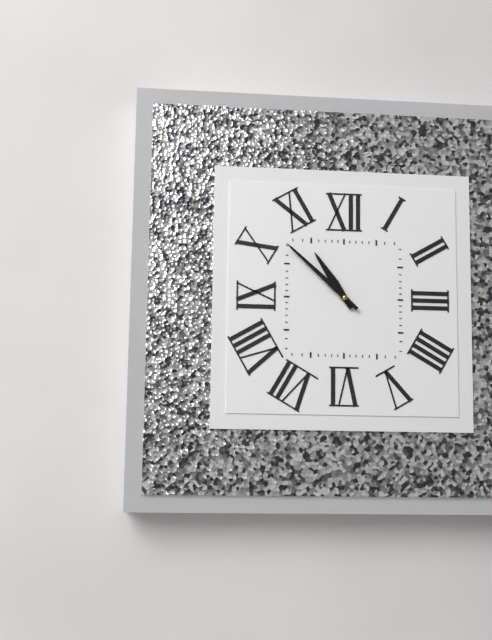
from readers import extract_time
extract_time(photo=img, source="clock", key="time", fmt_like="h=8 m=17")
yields h=10 m=52
